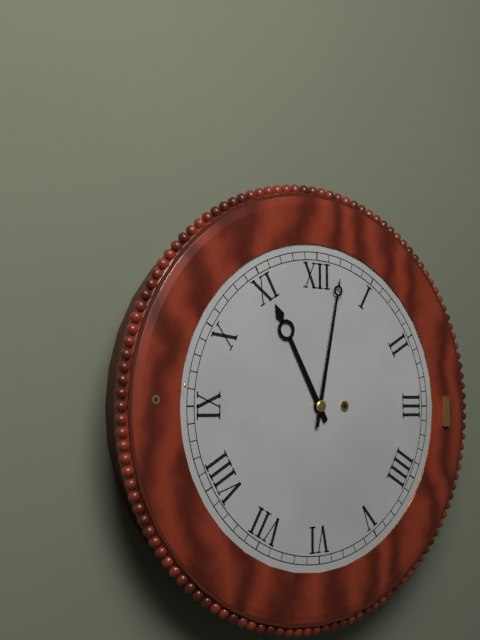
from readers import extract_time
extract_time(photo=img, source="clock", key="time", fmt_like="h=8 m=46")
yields h=11 m=2
